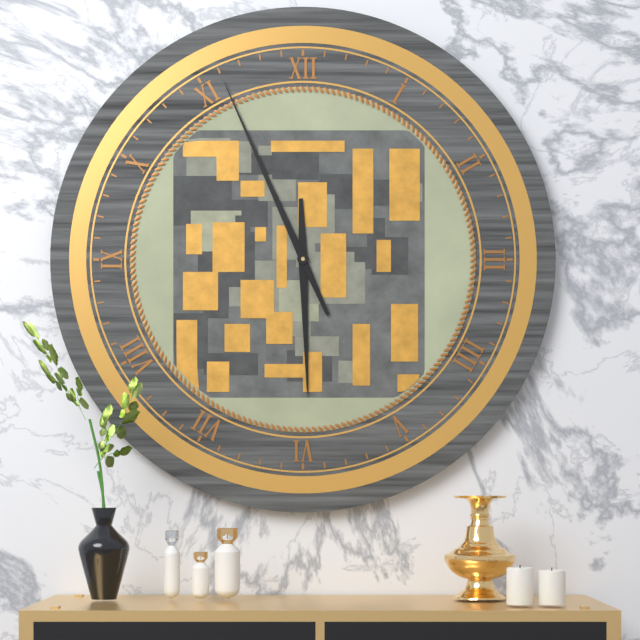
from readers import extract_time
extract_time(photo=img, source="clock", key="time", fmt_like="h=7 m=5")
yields h=5 m=56
